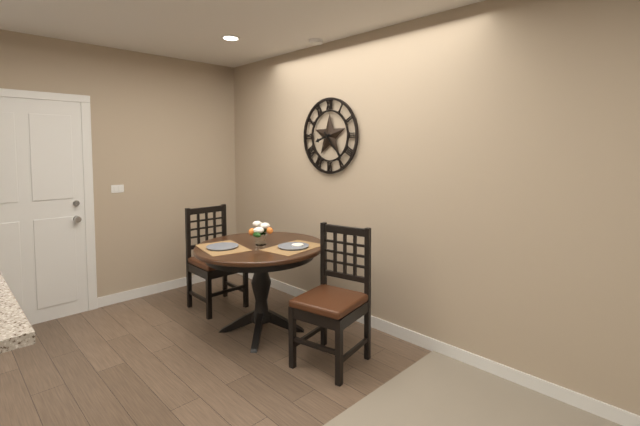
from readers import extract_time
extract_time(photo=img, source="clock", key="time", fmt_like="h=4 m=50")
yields h=8 m=23
